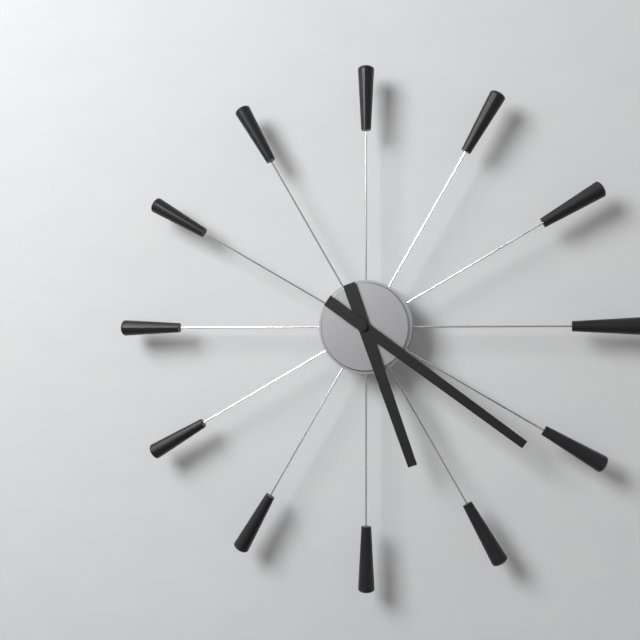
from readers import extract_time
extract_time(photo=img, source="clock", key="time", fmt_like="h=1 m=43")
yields h=5 m=21
